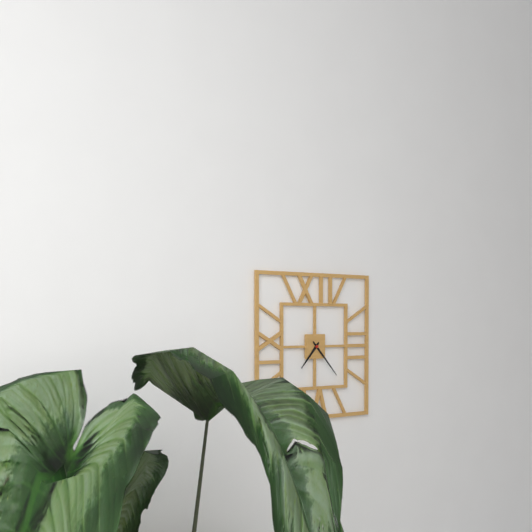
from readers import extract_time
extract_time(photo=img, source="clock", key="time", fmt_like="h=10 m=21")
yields h=7 m=23
